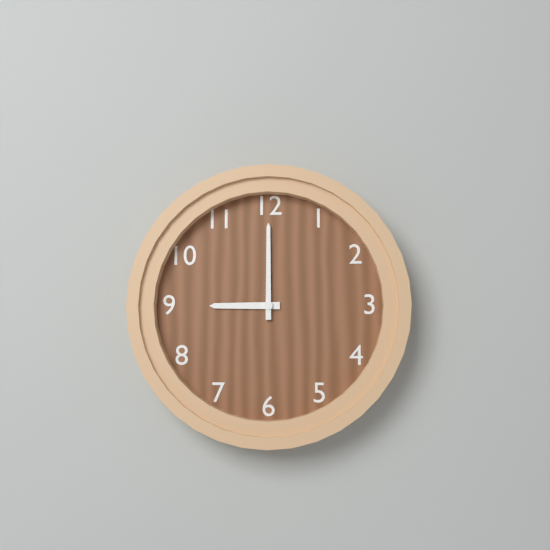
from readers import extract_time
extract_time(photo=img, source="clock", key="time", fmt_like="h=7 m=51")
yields h=9 m=0
